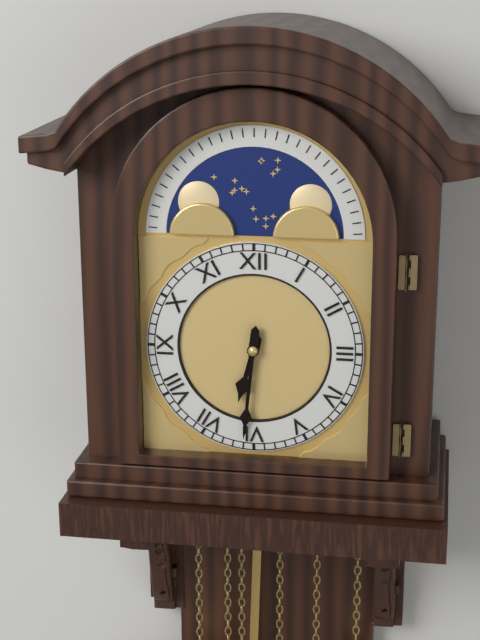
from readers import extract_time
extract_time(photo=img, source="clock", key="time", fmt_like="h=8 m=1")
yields h=6 m=31
